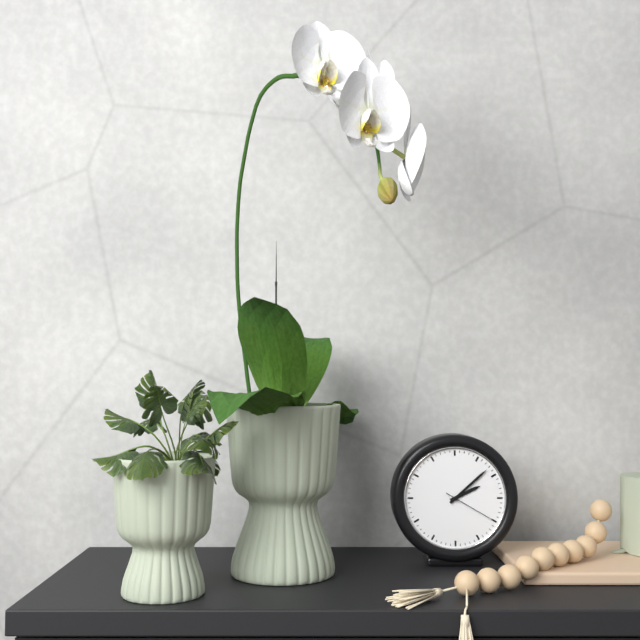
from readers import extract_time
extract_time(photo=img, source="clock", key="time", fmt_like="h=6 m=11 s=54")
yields h=2 m=8 s=20
